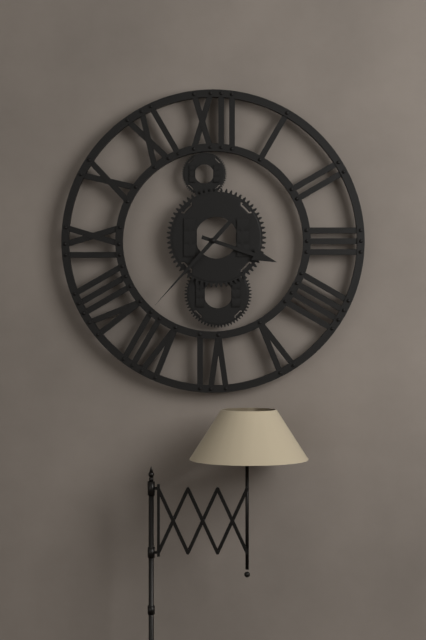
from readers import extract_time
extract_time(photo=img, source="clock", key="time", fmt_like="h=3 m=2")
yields h=3 m=37
